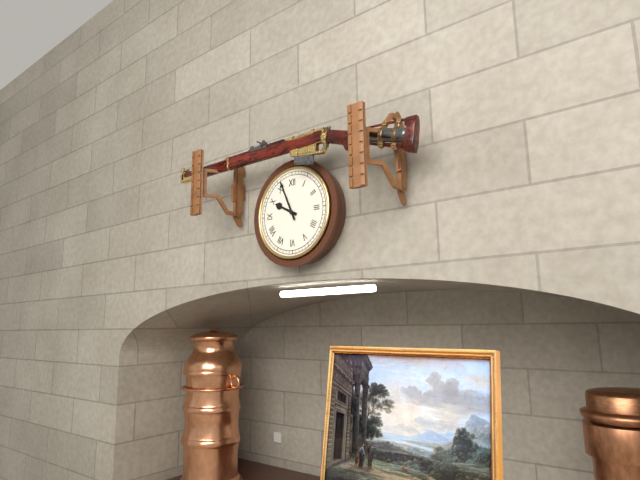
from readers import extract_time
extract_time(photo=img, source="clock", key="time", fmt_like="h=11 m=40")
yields h=9 m=56
